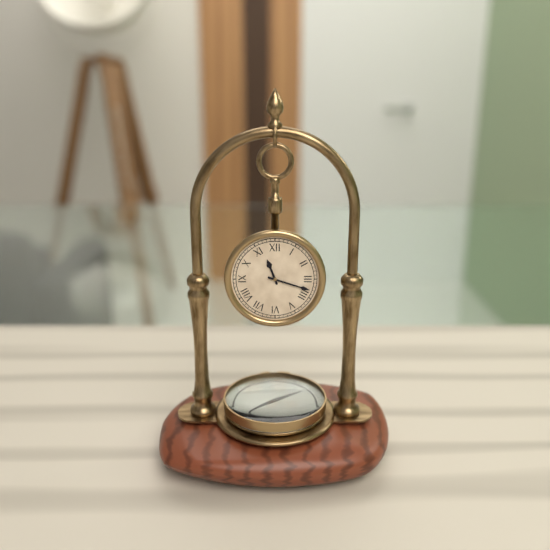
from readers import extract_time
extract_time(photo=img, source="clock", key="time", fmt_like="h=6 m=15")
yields h=11 m=18
